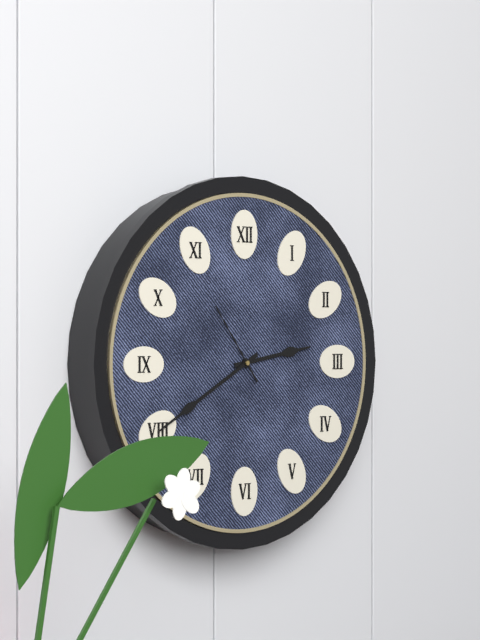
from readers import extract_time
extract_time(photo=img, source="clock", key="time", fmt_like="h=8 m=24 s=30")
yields h=2 m=40 s=54
